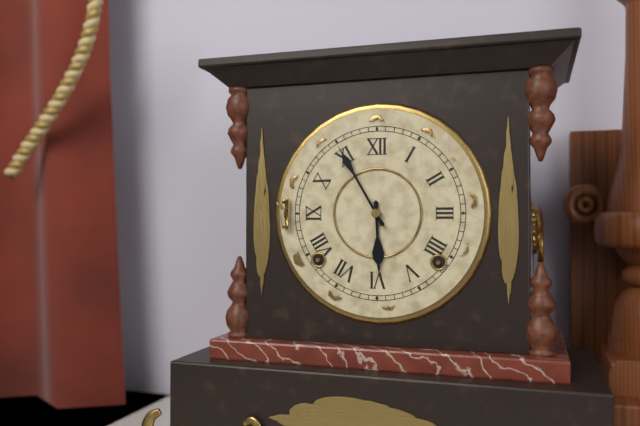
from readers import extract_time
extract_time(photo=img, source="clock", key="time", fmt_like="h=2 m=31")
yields h=5 m=55
